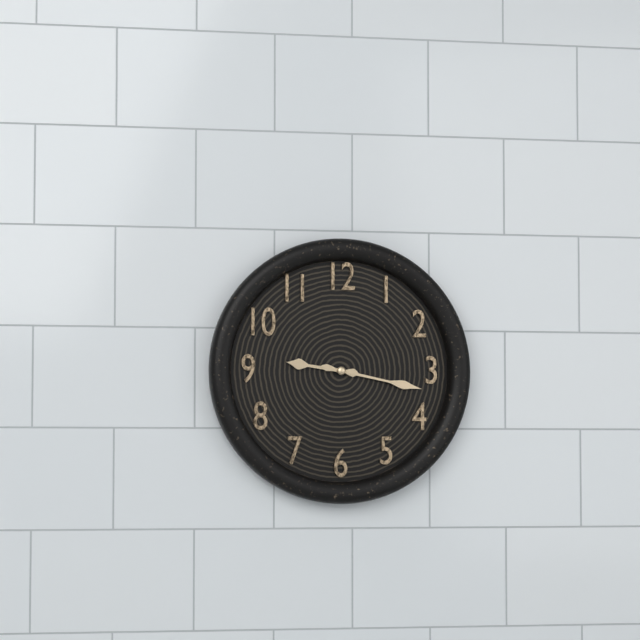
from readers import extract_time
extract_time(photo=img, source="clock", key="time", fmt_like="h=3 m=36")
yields h=9 m=17
